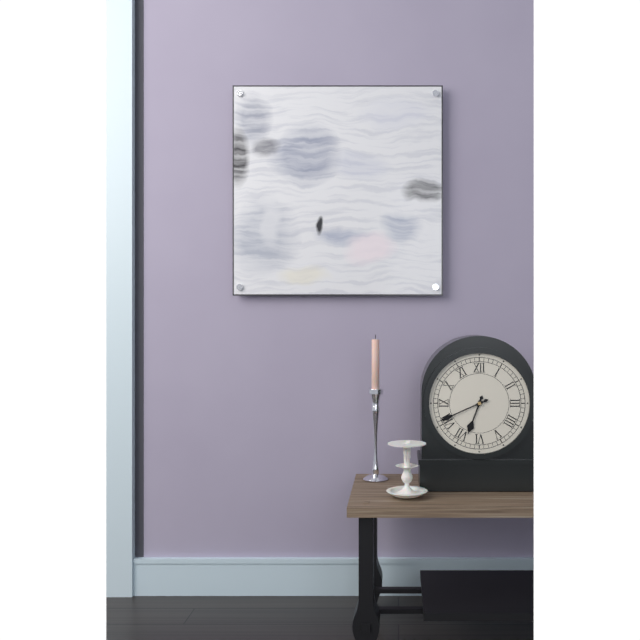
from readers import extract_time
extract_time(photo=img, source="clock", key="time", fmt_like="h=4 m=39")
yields h=6 m=41
